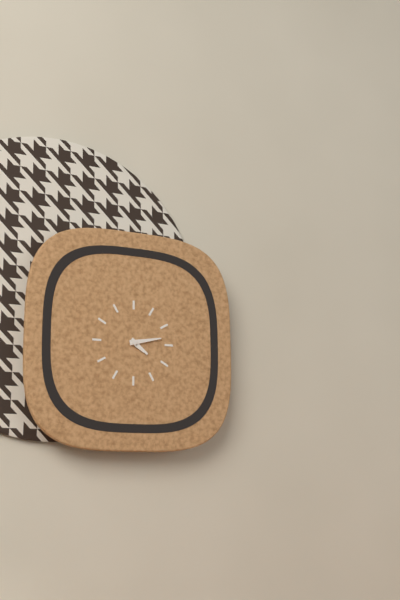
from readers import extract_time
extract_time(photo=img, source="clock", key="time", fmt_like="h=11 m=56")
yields h=4 m=13
